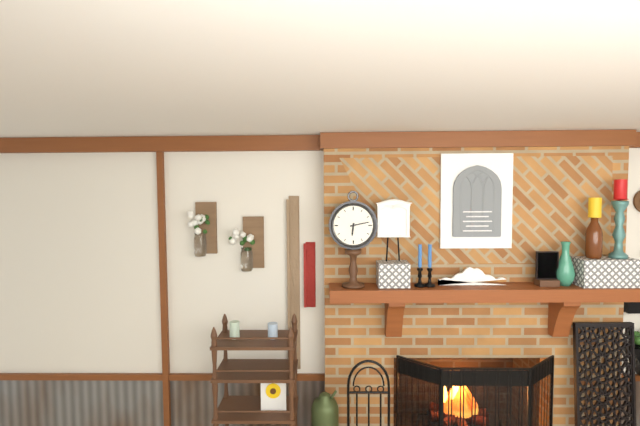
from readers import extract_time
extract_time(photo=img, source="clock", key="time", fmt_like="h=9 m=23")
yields h=6 m=13
